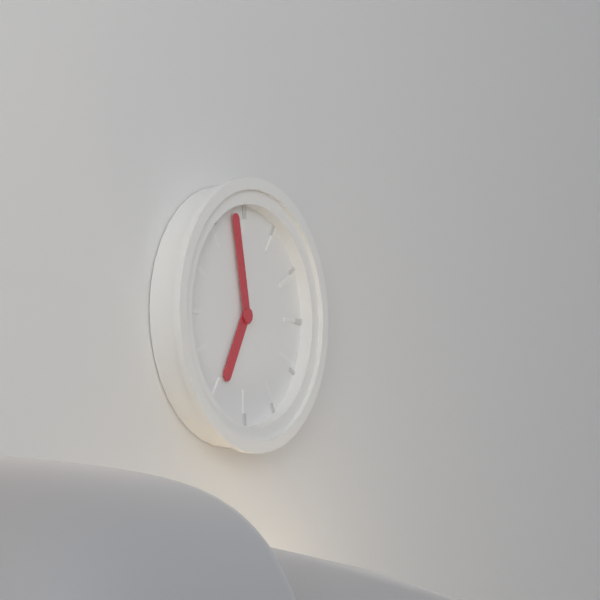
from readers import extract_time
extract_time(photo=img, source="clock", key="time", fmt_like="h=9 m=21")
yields h=6 m=58
